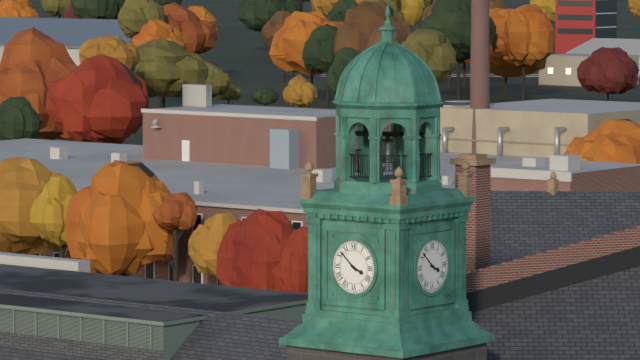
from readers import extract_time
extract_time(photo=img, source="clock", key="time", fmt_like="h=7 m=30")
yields h=3 m=52
